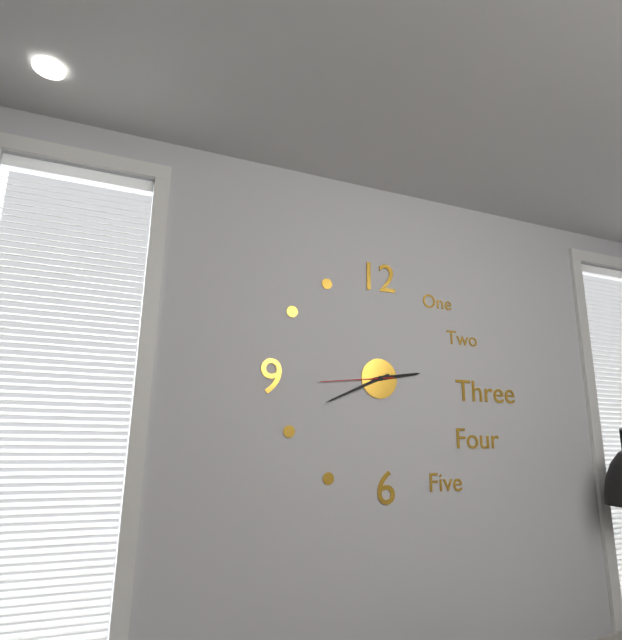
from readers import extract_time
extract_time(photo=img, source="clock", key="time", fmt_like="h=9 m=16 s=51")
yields h=2 m=41 s=44
